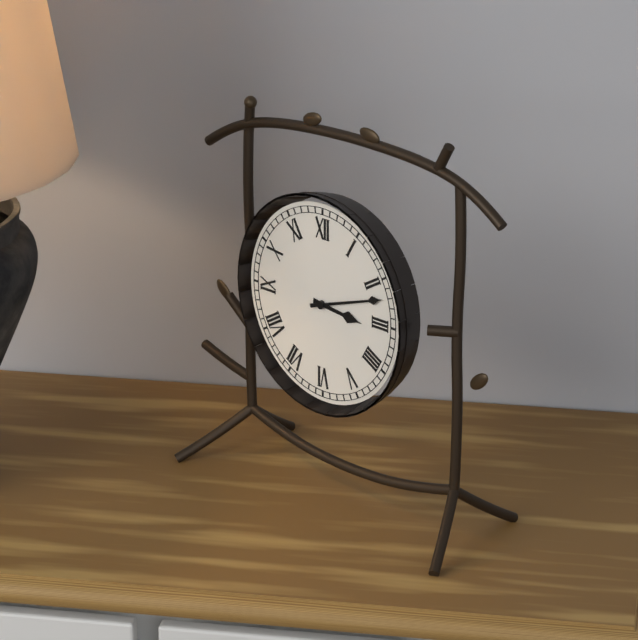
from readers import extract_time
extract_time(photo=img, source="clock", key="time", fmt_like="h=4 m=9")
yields h=3 m=12
